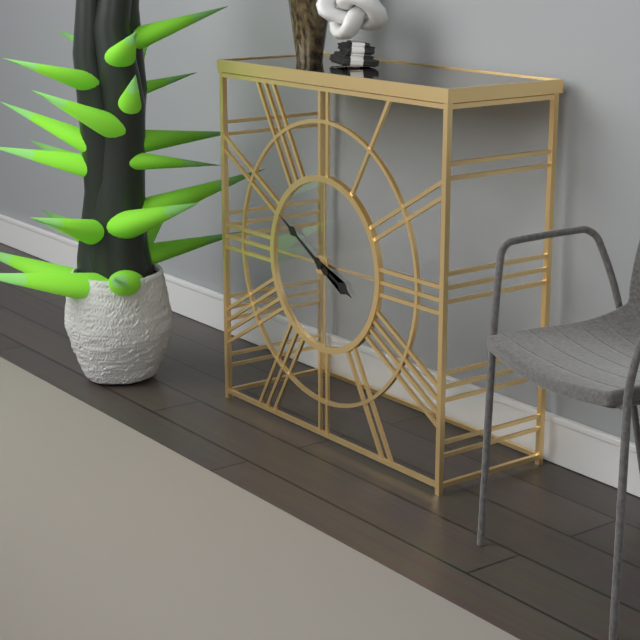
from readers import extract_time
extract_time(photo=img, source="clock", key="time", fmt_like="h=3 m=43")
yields h=3 m=50
